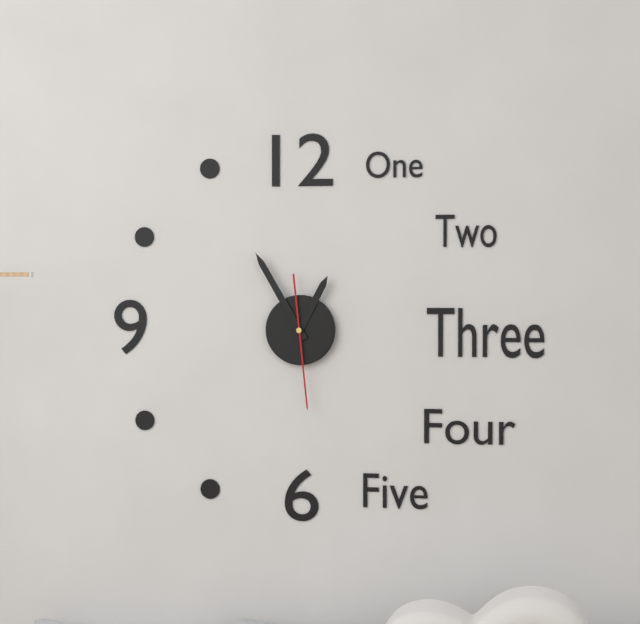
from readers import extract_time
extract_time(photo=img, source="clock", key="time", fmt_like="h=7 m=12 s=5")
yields h=12 m=55 s=29
